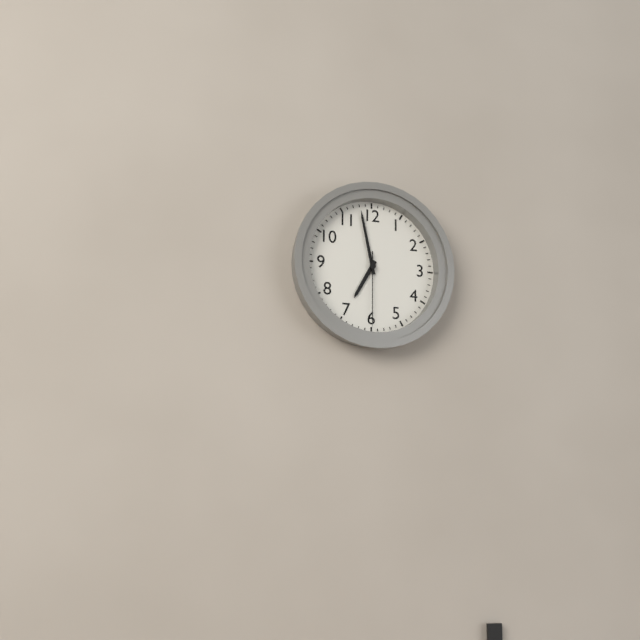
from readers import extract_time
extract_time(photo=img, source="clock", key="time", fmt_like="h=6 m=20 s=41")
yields h=6 m=58 s=30
